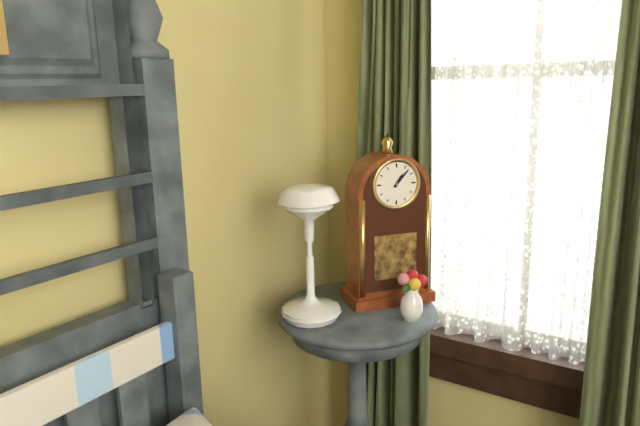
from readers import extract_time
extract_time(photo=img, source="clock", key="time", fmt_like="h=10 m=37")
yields h=1 m=7
